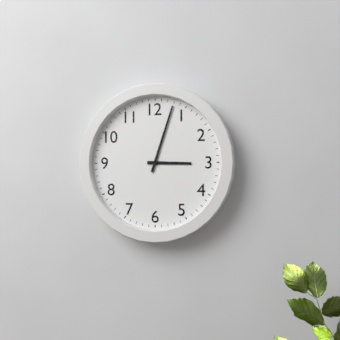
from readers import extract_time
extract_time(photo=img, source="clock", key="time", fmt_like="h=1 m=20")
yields h=3 m=3
